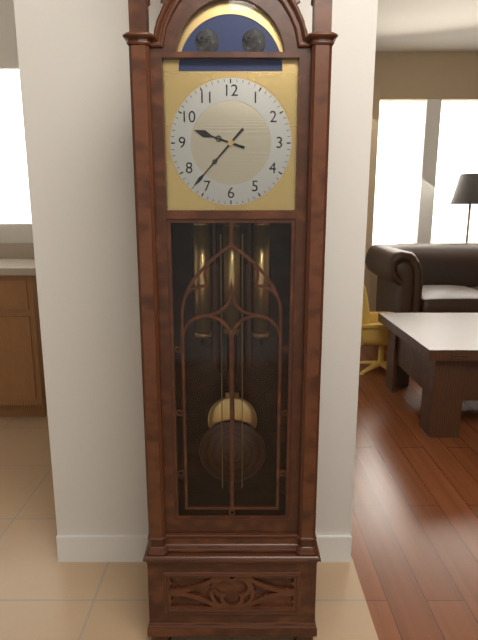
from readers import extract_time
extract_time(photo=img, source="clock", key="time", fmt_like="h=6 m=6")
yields h=9 m=37
